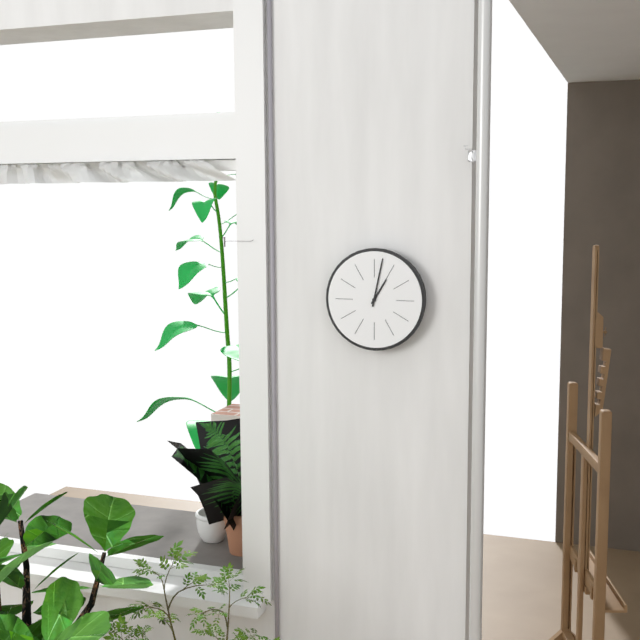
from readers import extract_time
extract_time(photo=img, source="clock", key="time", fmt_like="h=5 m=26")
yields h=1 m=2
